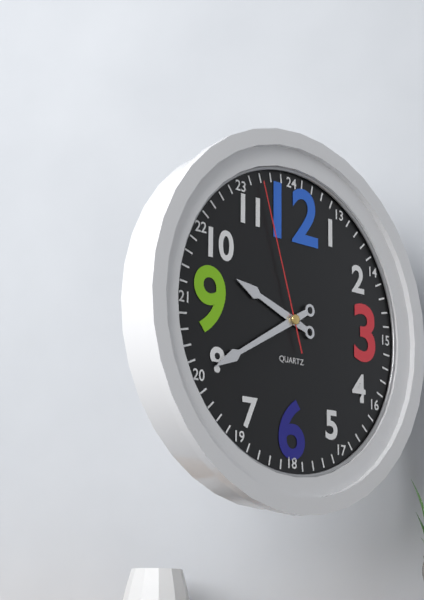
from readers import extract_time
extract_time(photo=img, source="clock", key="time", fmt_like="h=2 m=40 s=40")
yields h=9 m=40 s=57
